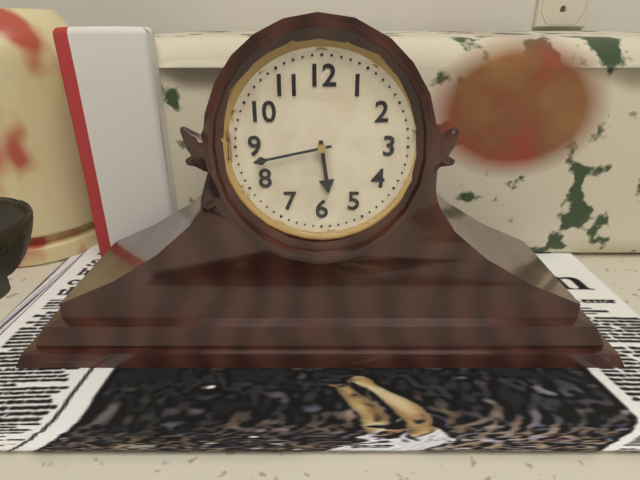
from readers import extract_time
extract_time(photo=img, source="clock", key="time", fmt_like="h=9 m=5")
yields h=5 m=43
